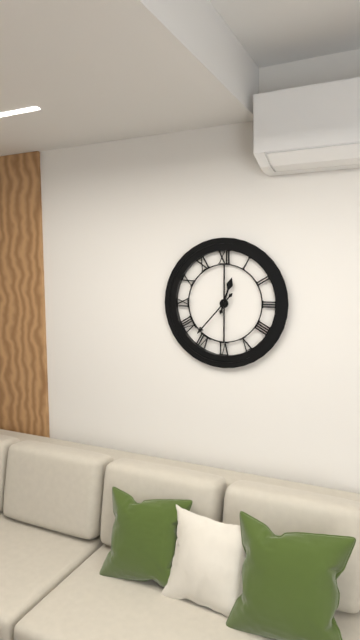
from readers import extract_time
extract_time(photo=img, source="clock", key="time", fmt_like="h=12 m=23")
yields h=12 m=37
